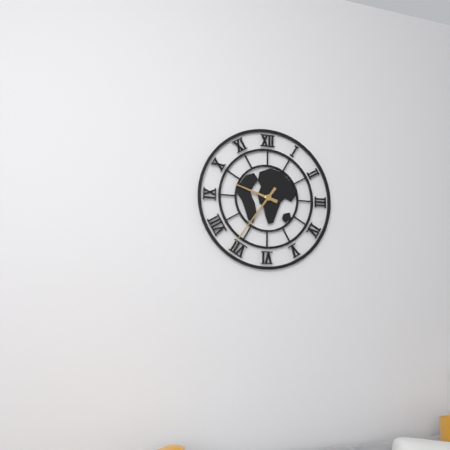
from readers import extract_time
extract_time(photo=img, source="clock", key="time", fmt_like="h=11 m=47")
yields h=9 m=36
